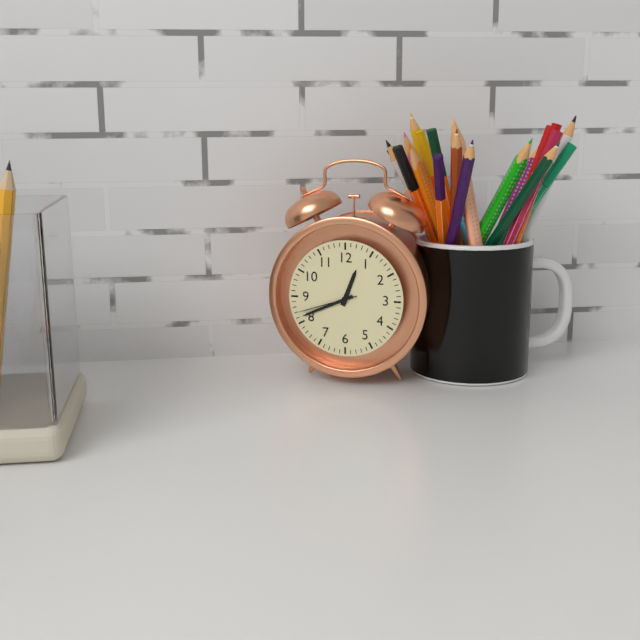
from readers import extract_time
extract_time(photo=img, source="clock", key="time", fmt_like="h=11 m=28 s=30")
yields h=12 m=41 s=42
